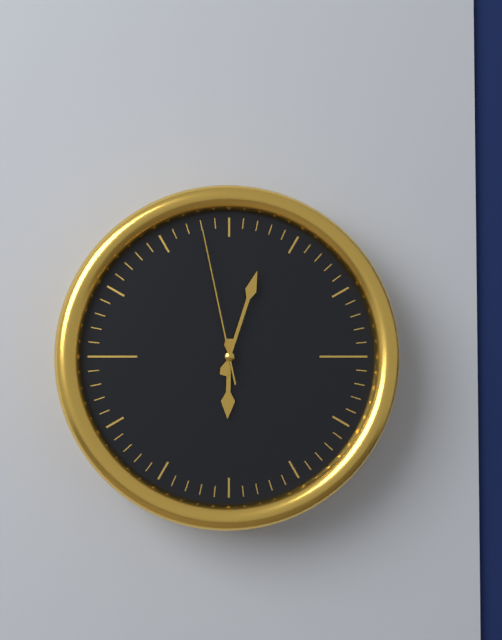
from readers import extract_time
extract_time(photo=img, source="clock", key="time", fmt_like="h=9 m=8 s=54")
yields h=6 m=3 s=58
